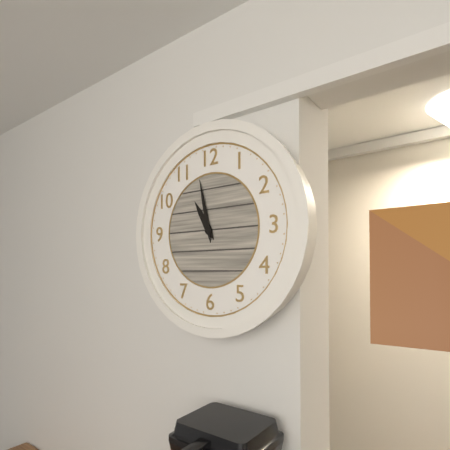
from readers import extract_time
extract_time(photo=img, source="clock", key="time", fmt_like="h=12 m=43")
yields h=10 m=58
